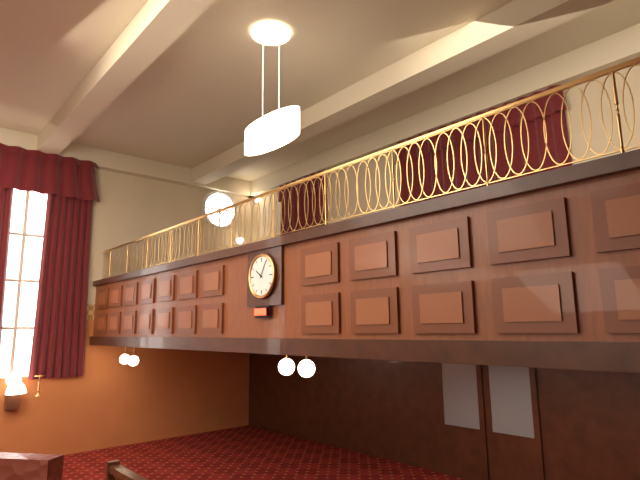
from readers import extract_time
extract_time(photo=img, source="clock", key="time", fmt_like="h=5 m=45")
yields h=10 m=5
